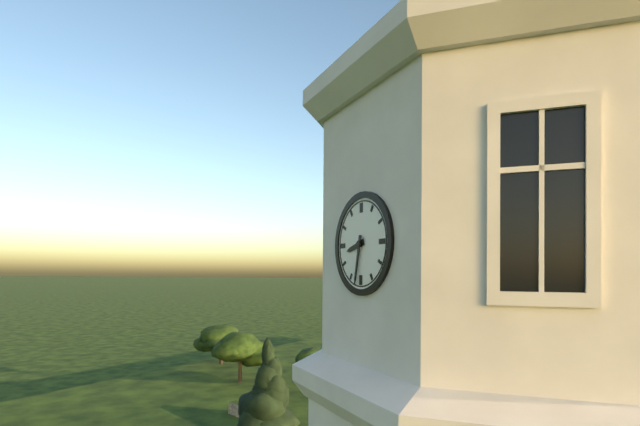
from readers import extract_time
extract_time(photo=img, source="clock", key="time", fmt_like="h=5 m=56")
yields h=8 m=32
